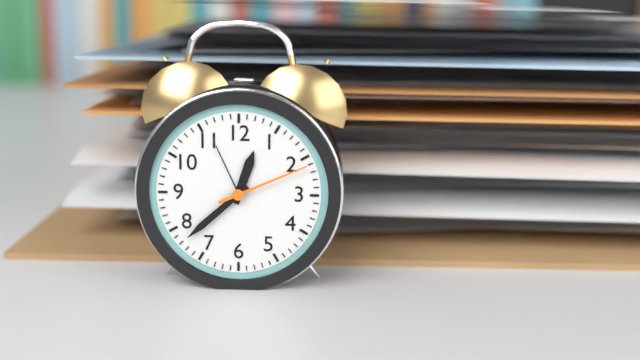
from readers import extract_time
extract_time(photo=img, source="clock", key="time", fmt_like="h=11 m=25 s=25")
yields h=12 m=38 s=11
